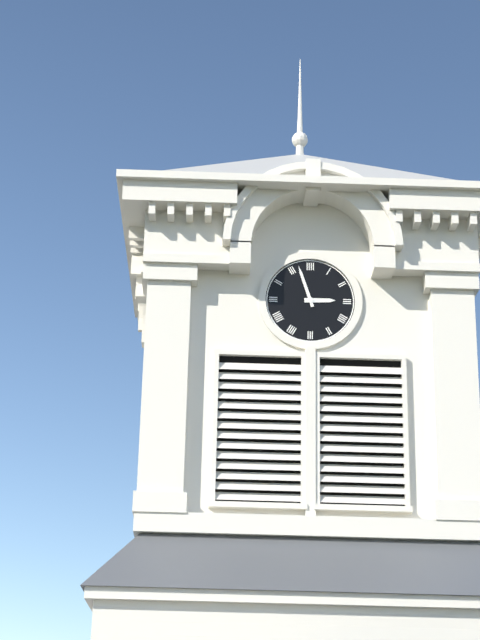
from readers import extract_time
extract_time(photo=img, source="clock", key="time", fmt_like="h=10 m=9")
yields h=2 m=57
